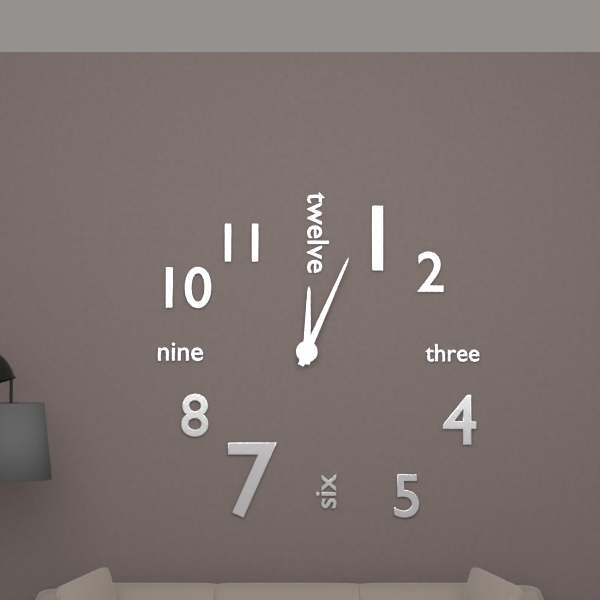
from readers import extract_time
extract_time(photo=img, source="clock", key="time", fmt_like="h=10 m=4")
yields h=12 m=4
